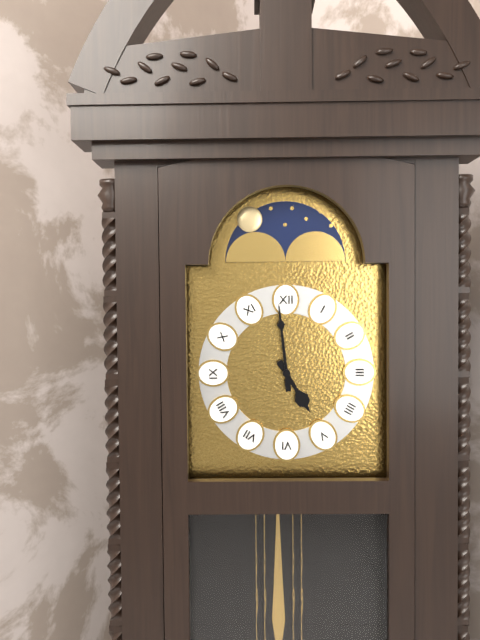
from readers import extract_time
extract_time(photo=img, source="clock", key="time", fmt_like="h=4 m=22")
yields h=4 m=59
